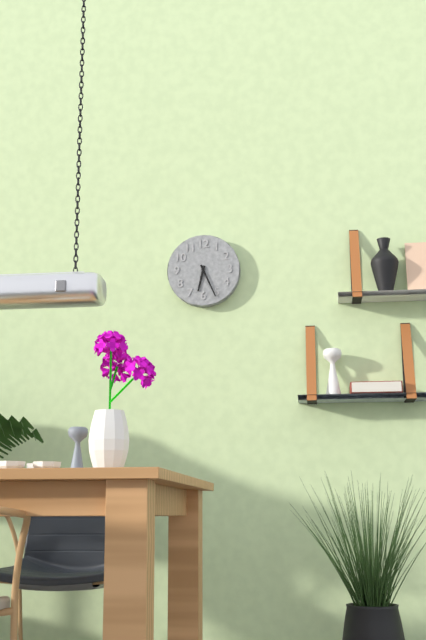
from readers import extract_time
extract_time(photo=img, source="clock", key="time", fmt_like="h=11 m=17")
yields h=6 m=26
